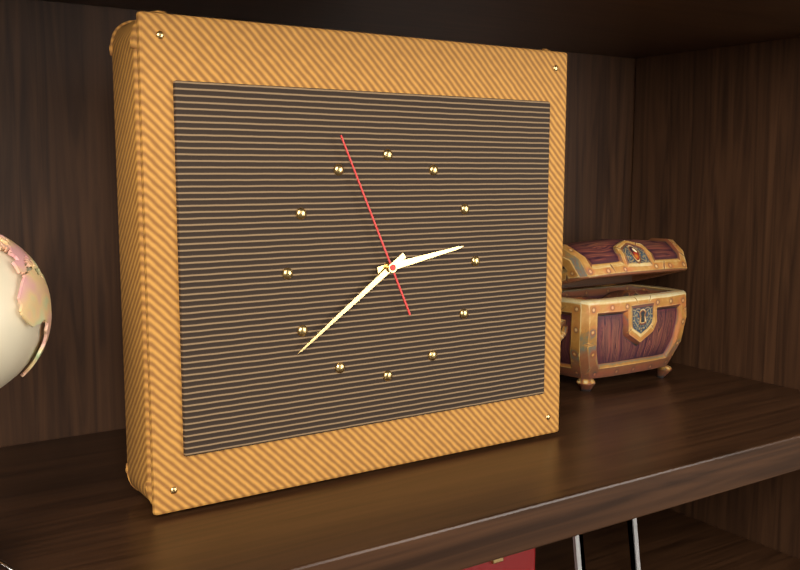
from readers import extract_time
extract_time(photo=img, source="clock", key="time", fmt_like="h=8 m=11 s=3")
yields h=2 m=39 s=56
